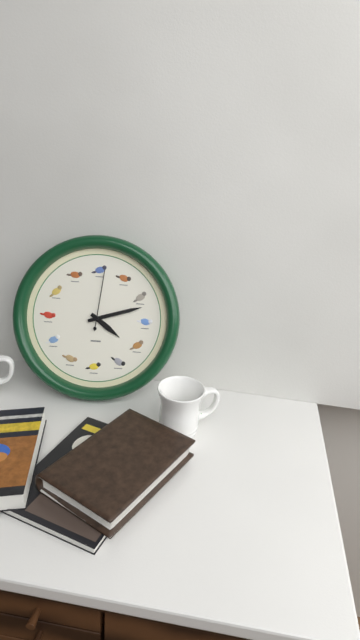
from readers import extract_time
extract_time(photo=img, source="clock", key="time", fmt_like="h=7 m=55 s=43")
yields h=4 m=12 s=1
